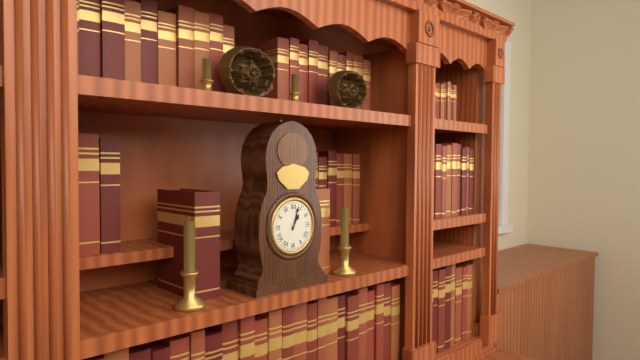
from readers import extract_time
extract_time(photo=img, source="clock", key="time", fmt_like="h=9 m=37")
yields h=1 m=3
